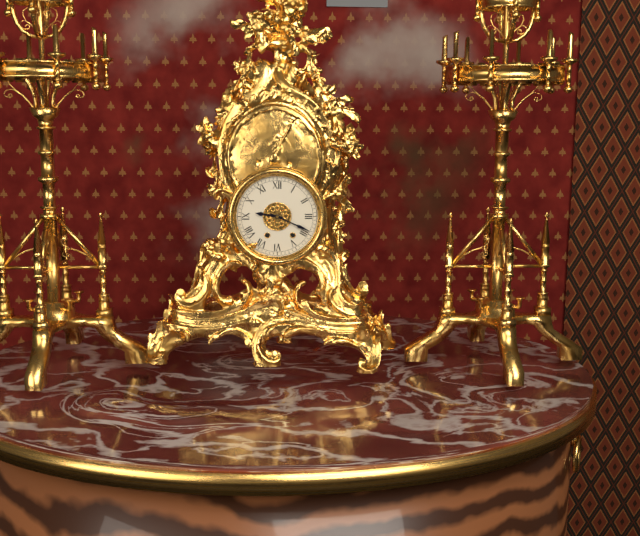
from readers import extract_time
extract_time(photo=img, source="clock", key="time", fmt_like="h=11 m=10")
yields h=9 m=19
